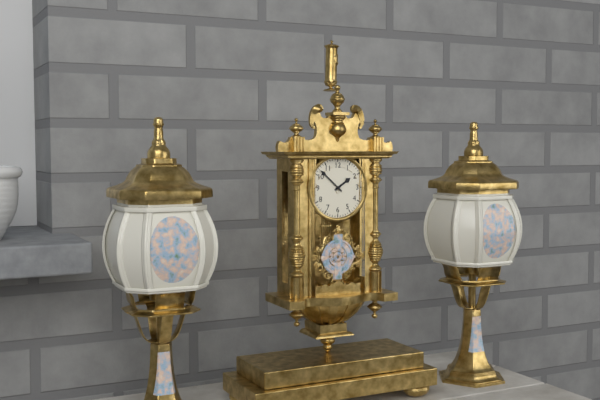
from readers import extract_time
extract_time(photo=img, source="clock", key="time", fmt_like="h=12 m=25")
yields h=1 m=52
